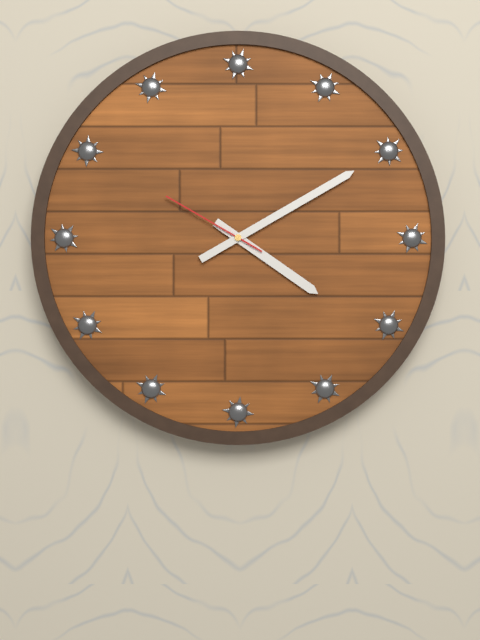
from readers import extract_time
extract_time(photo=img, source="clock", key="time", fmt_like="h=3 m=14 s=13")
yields h=4 m=10 s=50
